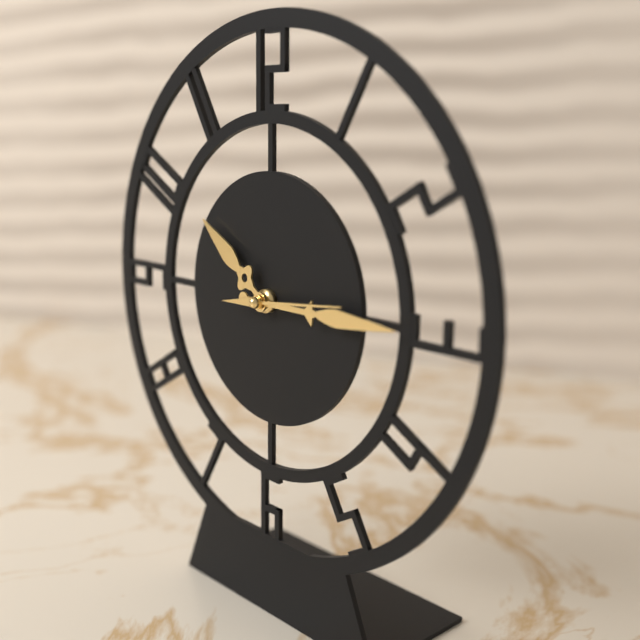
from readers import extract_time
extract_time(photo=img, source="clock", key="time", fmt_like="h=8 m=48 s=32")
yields h=10 m=15 s=14
